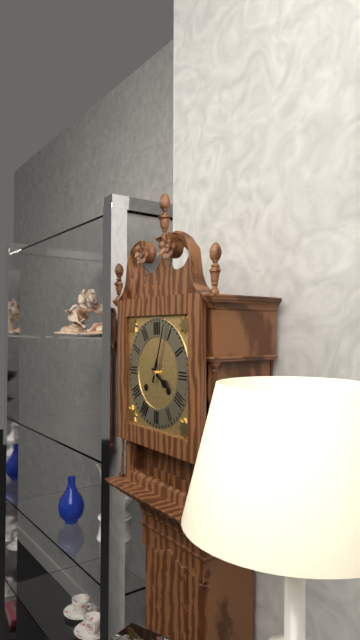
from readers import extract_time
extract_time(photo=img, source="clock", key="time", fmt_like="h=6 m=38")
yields h=4 m=3
